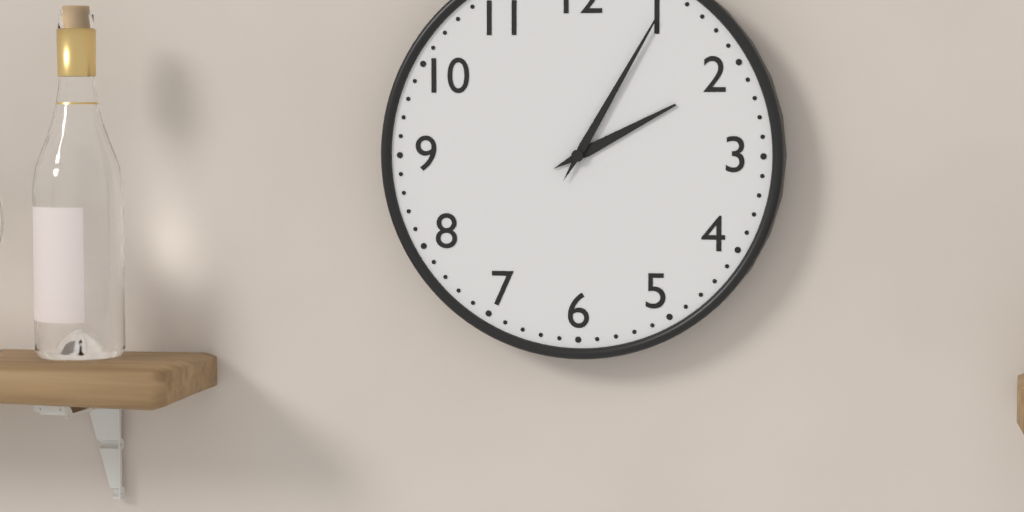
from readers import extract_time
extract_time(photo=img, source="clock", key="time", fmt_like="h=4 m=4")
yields h=2 m=5
